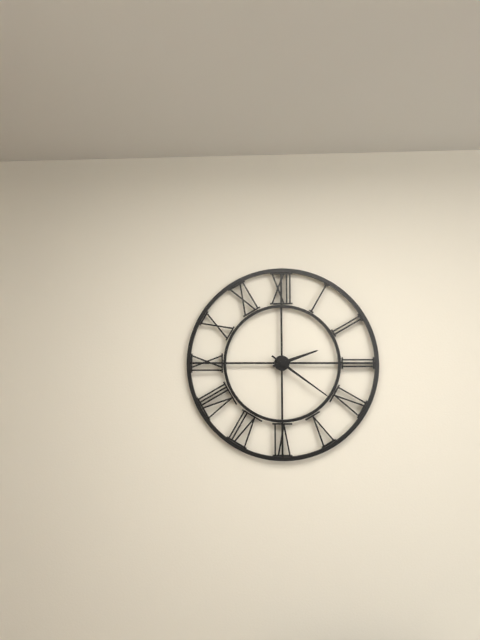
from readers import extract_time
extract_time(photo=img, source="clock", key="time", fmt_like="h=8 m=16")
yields h=2 m=21
